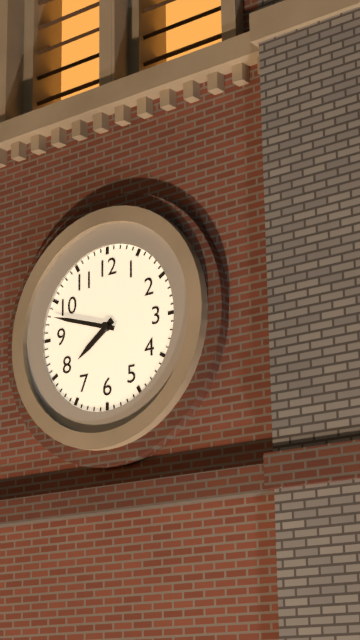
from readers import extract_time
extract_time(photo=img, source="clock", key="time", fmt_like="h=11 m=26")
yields h=7 m=48
